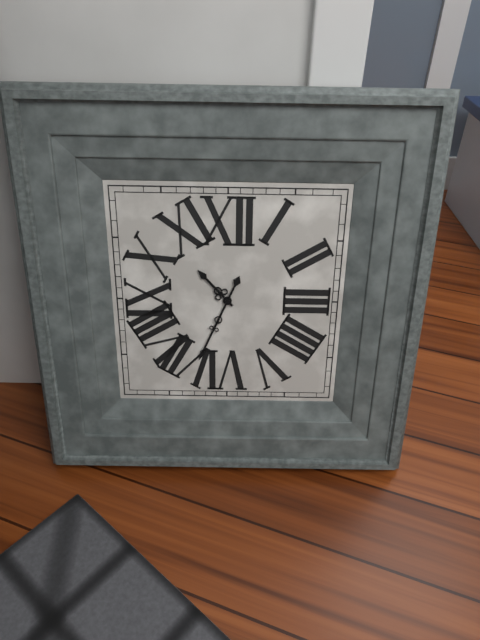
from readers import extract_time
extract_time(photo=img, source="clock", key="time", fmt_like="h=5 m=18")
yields h=10 m=34
